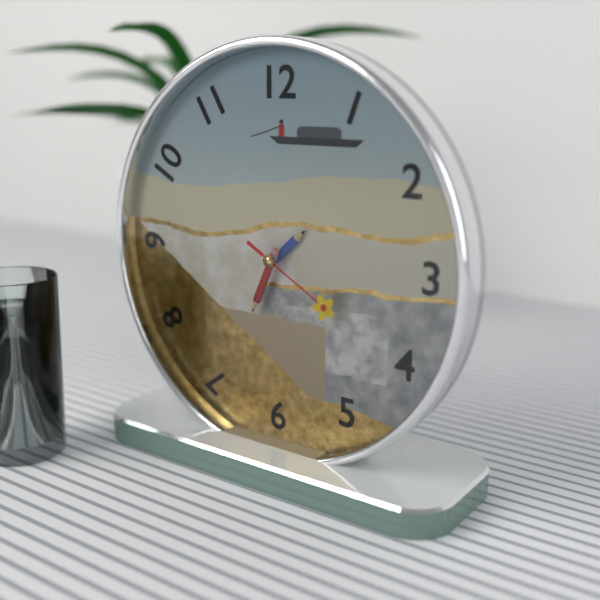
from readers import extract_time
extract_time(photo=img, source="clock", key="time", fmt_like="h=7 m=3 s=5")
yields h=1 m=34 s=20
